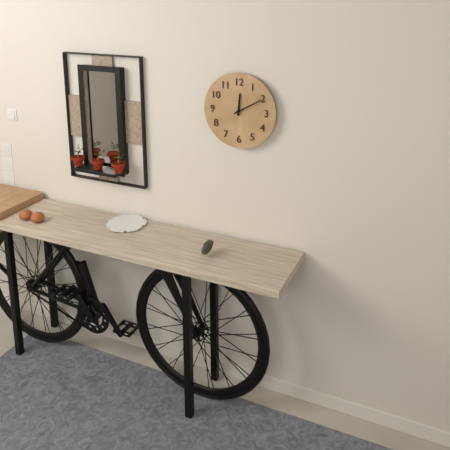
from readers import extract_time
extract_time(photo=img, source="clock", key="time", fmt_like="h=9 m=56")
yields h=12 m=10
